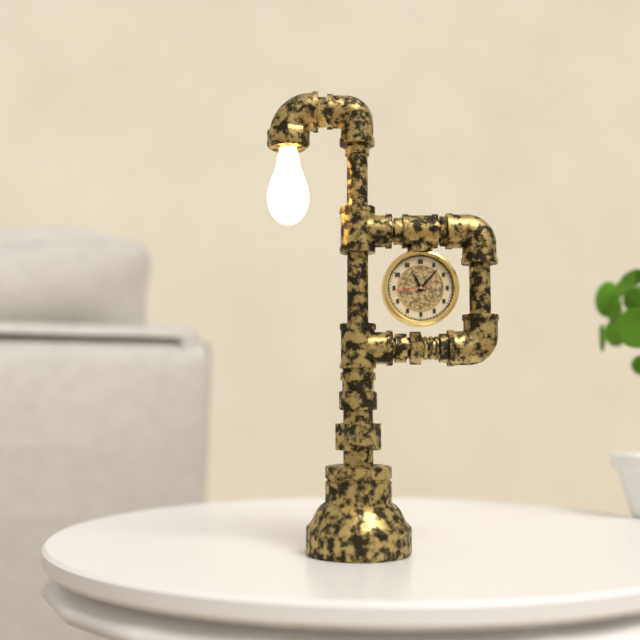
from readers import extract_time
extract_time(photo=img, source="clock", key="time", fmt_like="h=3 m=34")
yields h=11 m=7
